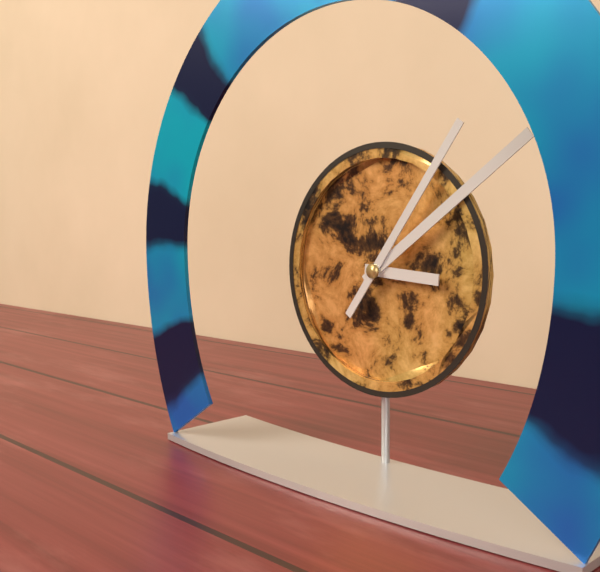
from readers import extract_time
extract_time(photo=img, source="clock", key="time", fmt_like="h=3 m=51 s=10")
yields h=3 m=9 s=6
